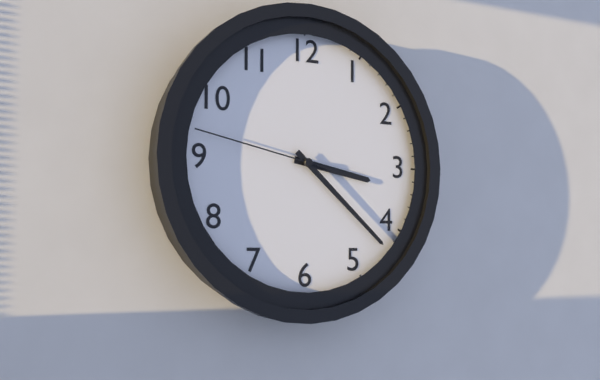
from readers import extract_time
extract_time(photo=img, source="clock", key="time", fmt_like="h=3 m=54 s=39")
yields h=3 m=22 s=47
